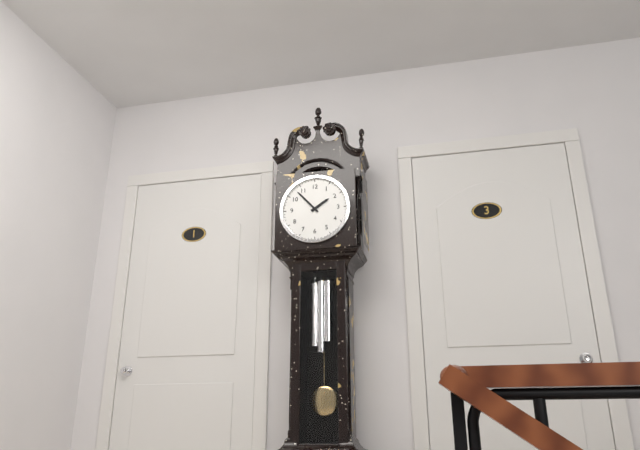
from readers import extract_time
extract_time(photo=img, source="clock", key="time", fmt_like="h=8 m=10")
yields h=1 m=53
